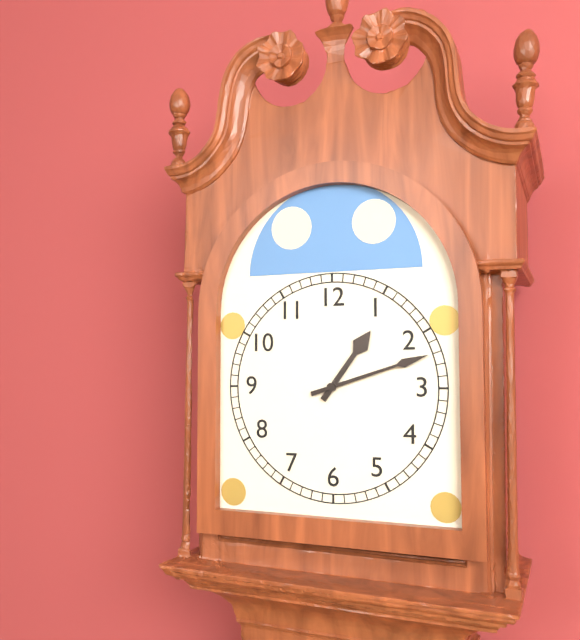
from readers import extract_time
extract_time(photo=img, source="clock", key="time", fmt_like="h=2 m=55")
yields h=1 m=12
